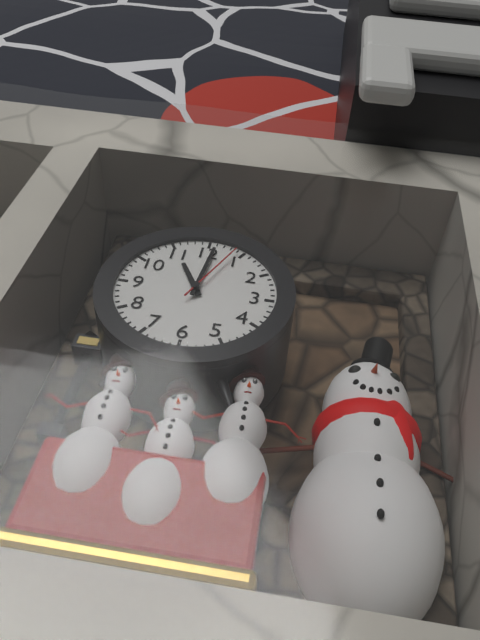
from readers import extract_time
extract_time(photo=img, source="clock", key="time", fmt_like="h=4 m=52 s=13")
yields h=11 m=1 s=4
